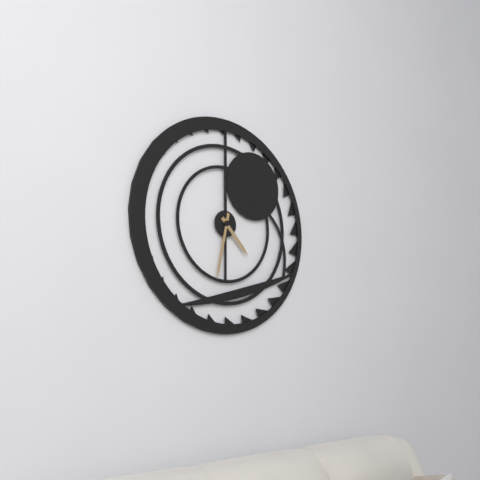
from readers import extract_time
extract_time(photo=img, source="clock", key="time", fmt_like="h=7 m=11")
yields h=4 m=32
